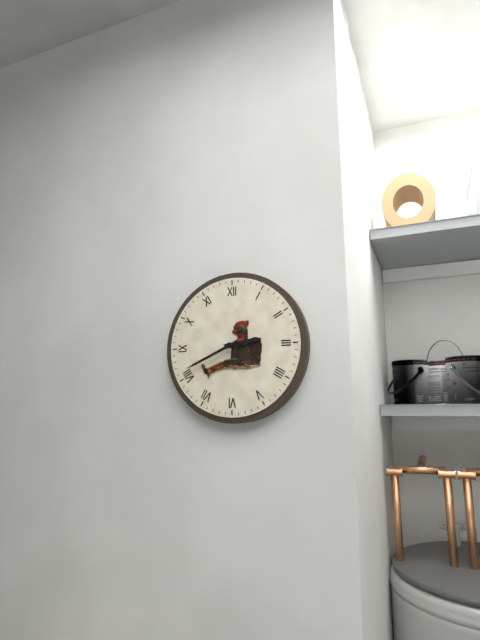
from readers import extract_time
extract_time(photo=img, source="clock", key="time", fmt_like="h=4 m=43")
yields h=2 m=41
